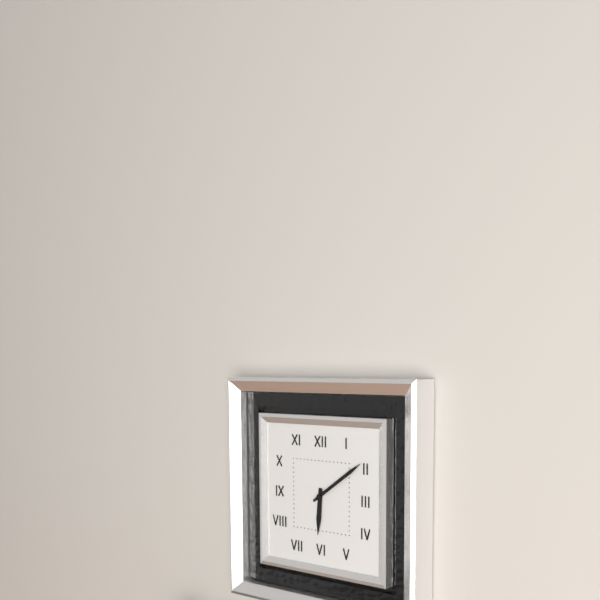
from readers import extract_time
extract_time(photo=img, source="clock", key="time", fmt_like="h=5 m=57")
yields h=6 m=9
